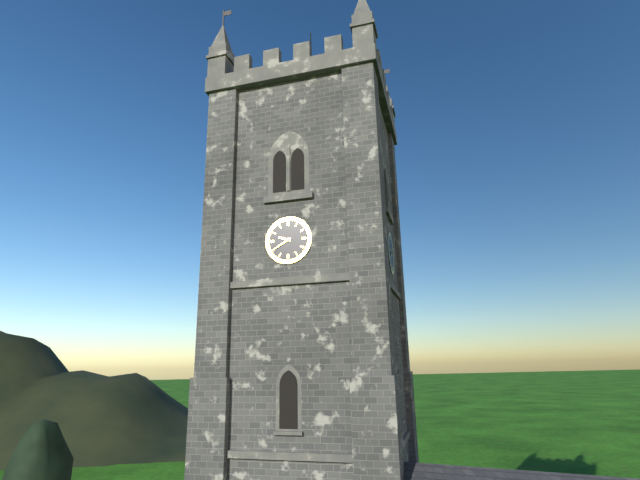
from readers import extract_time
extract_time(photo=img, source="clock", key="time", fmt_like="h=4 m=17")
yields h=9 m=40
